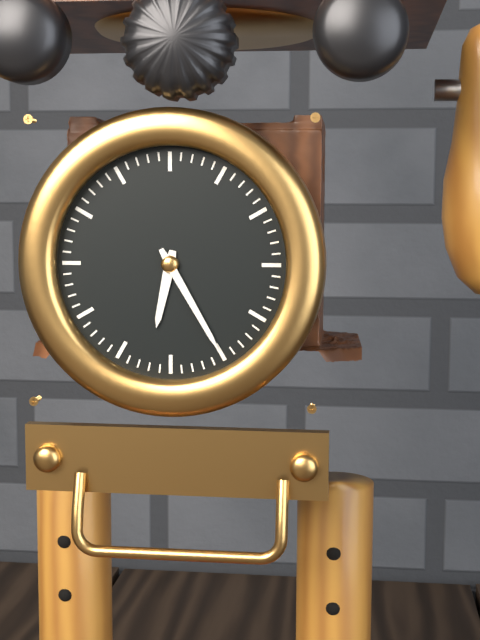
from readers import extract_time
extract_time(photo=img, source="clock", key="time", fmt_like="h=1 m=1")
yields h=6 m=25
